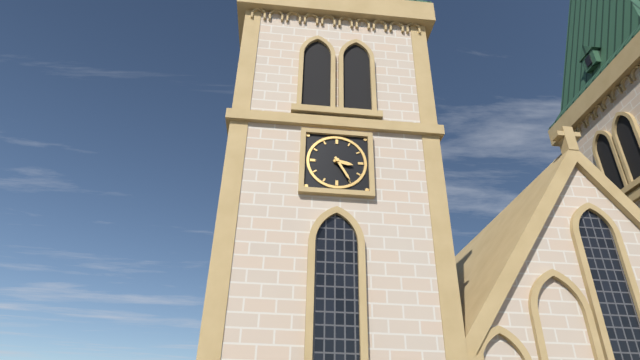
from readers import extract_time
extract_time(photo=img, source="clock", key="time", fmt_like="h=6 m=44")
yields h=3 m=25
